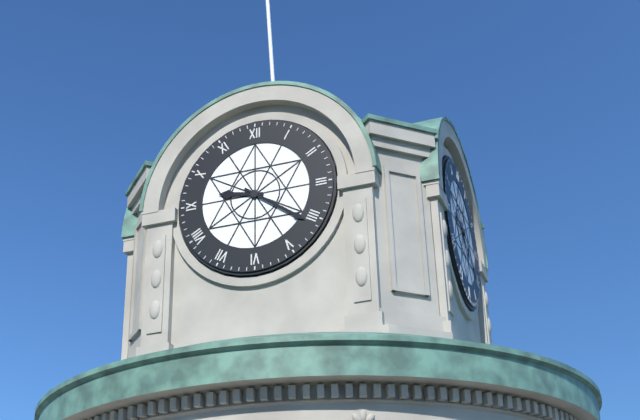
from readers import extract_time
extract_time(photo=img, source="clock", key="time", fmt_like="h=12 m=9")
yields h=9 m=21
